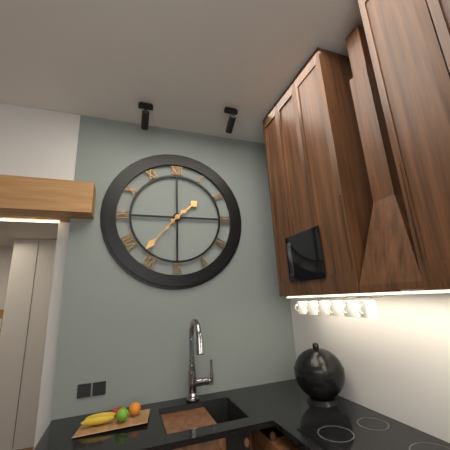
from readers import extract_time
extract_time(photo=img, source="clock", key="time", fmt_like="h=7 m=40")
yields h=1 m=37
